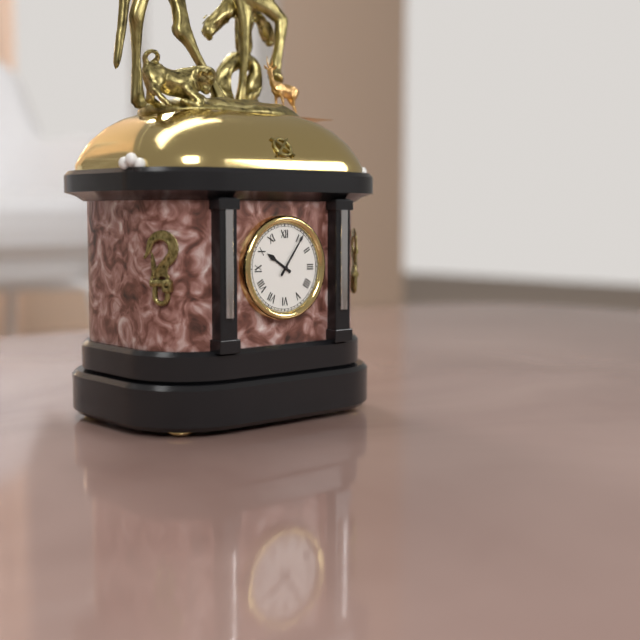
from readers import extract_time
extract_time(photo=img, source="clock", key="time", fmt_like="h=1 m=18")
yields h=10 m=6
